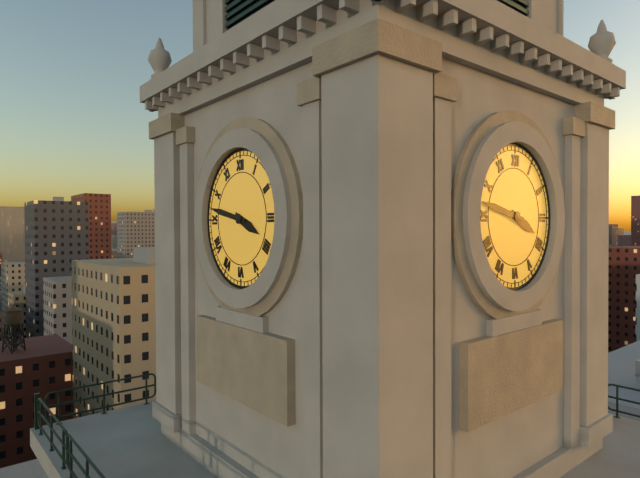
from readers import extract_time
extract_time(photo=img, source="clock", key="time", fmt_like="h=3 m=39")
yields h=3 m=47
